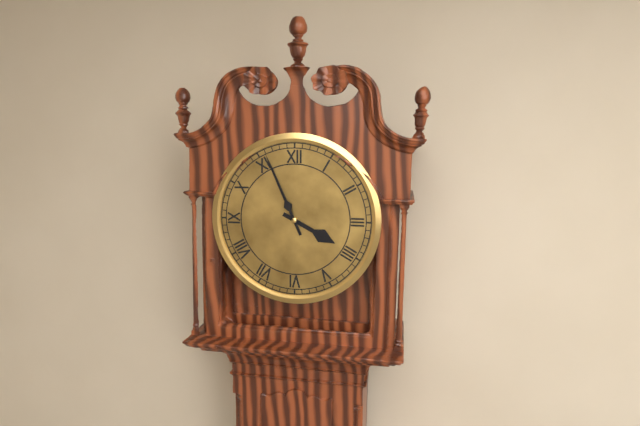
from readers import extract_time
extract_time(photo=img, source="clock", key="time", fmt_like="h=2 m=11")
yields h=3 m=56
